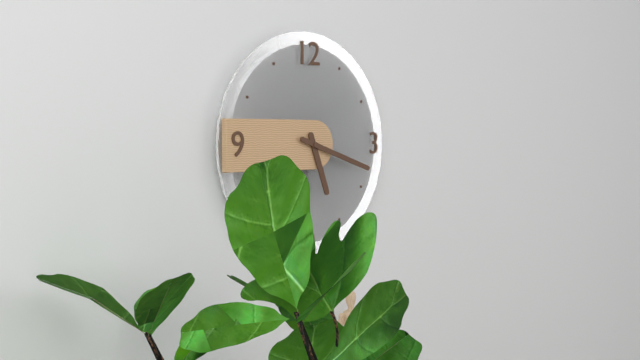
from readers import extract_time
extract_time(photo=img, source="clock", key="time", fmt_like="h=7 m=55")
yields h=5 m=18
